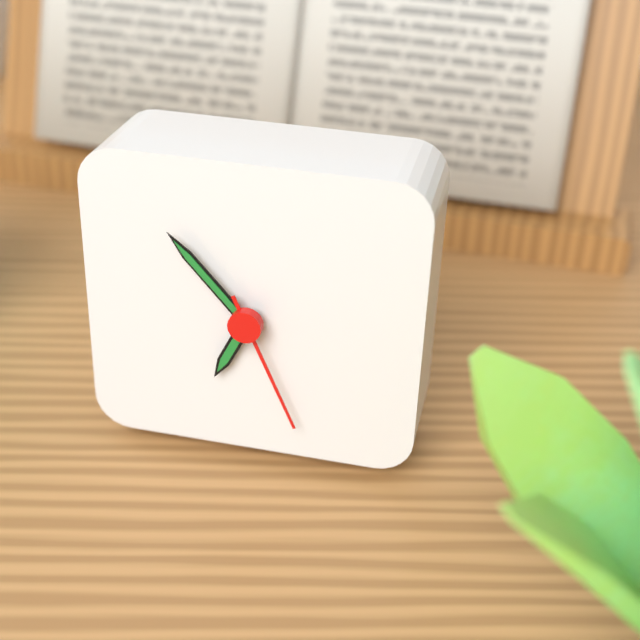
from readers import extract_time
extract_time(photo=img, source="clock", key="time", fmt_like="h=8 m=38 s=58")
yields h=6 m=53 s=26
